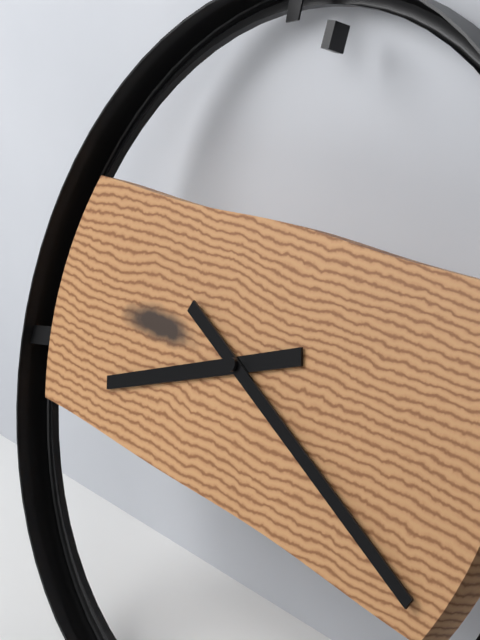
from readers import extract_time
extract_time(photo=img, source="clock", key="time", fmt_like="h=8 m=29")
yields h=8 m=19
